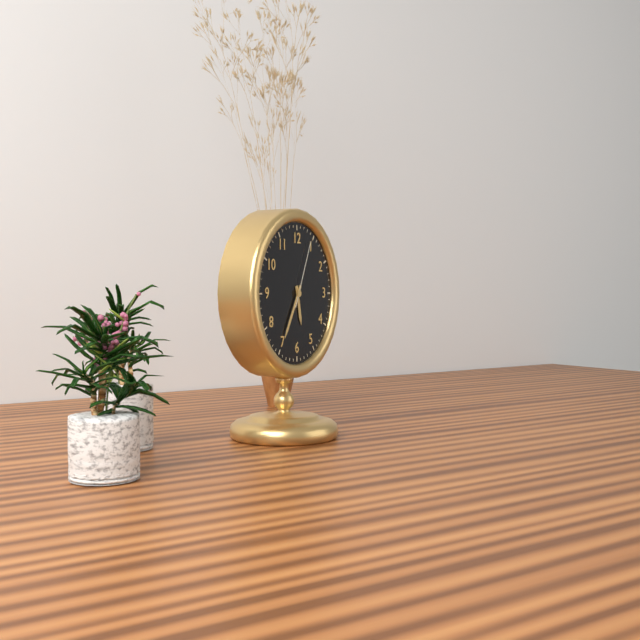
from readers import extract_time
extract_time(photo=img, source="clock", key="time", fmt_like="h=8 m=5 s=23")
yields h=5 m=35 s=4
